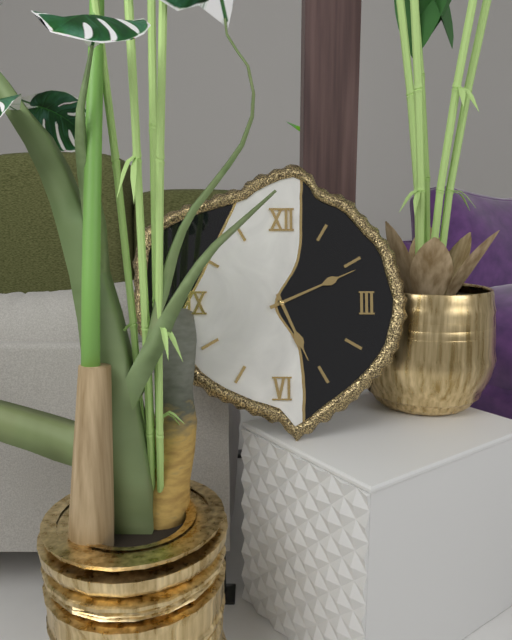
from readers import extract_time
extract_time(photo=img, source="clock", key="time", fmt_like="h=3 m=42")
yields h=5 m=11
